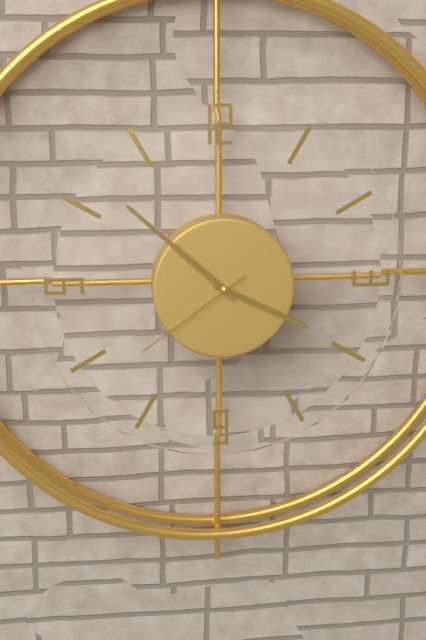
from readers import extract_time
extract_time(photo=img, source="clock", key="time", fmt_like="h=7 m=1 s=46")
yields h=3 m=52 s=39
